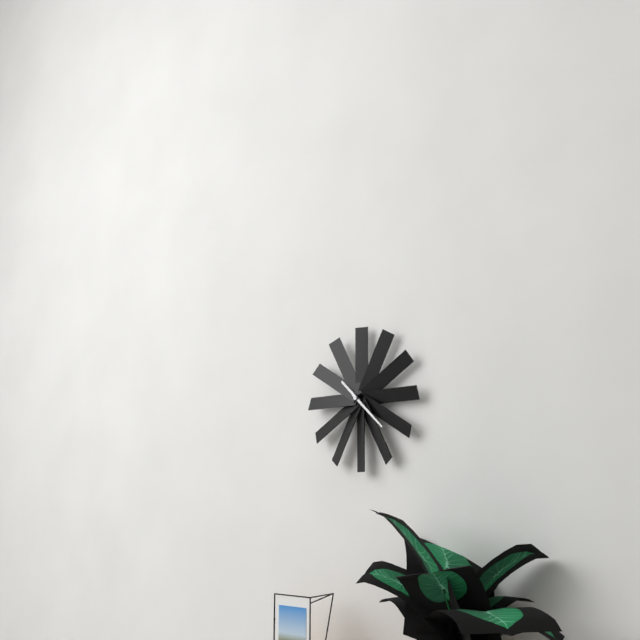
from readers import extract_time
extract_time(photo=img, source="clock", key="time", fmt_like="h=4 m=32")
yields h=10 m=22
